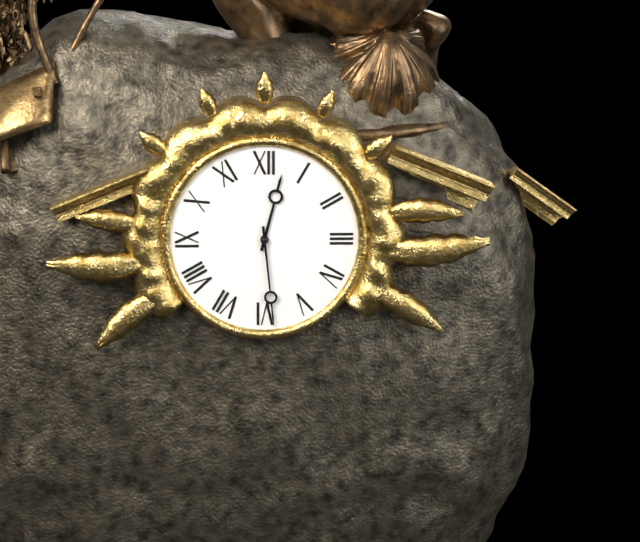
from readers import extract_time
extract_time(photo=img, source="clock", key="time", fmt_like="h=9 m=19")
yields h=12 m=29
